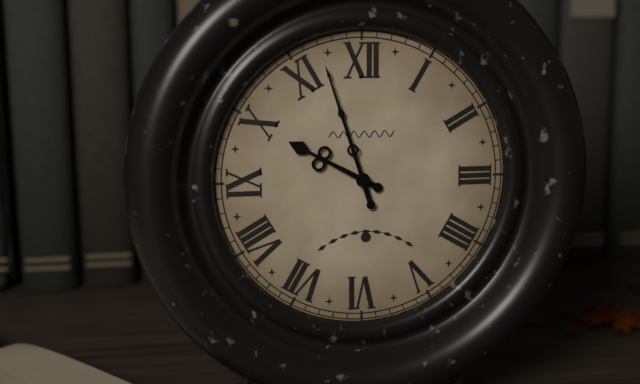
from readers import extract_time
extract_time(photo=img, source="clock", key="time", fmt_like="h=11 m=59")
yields h=9 m=57
